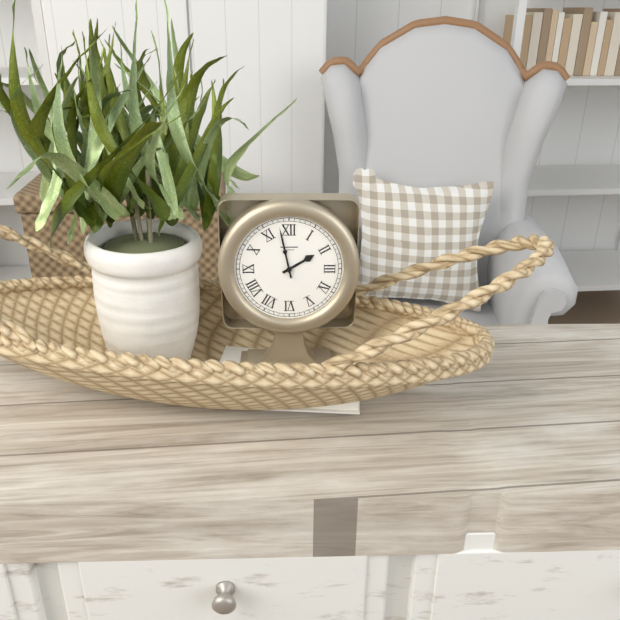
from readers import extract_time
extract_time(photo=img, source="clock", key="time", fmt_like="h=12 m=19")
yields h=1 m=58
